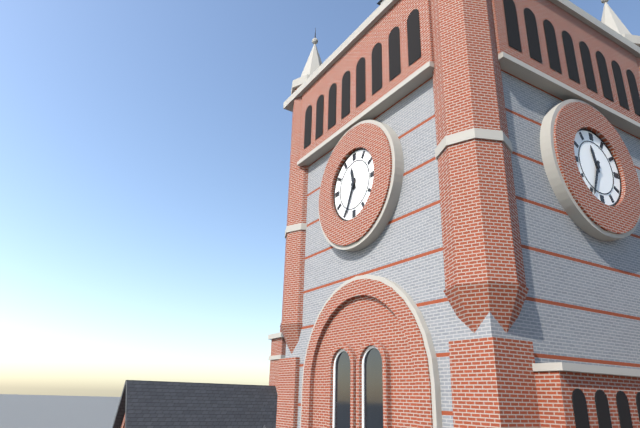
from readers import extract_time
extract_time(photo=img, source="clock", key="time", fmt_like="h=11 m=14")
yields h=11 m=34
